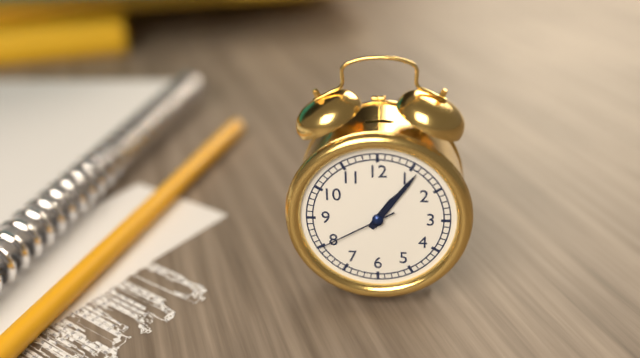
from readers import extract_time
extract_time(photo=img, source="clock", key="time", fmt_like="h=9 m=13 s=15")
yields h=1 m=6 s=40
